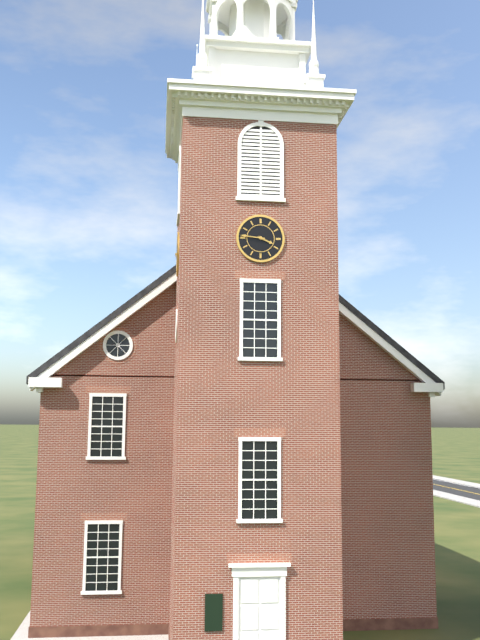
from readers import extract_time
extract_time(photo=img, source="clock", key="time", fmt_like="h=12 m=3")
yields h=3 m=46
